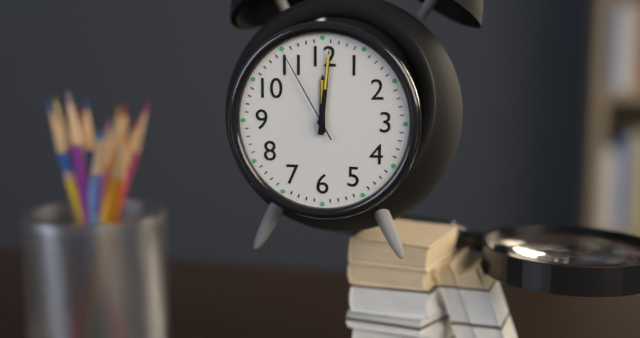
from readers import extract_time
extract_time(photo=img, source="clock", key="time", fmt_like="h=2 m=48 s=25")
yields h=12 m=1 s=55
